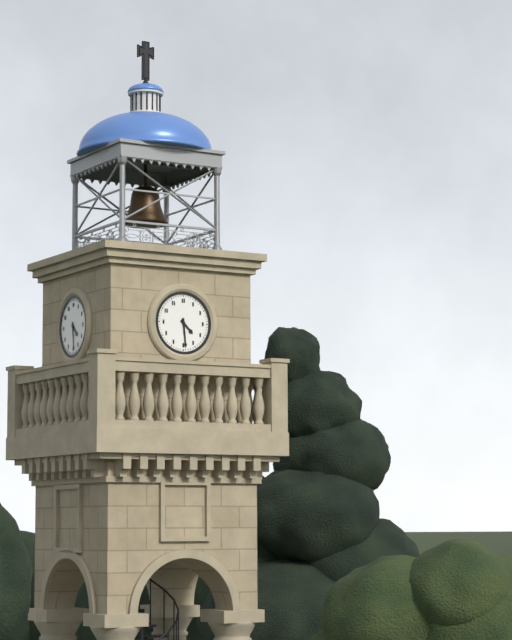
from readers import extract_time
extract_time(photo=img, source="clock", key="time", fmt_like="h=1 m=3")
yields h=4 m=29
